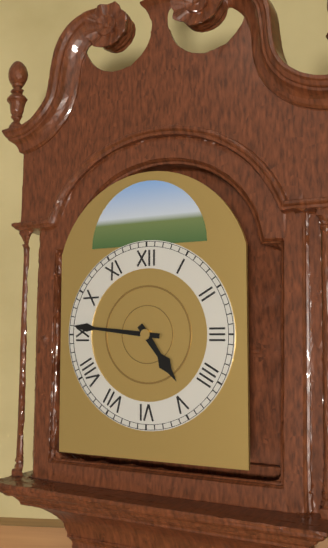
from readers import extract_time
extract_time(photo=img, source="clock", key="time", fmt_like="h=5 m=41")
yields h=4 m=46
